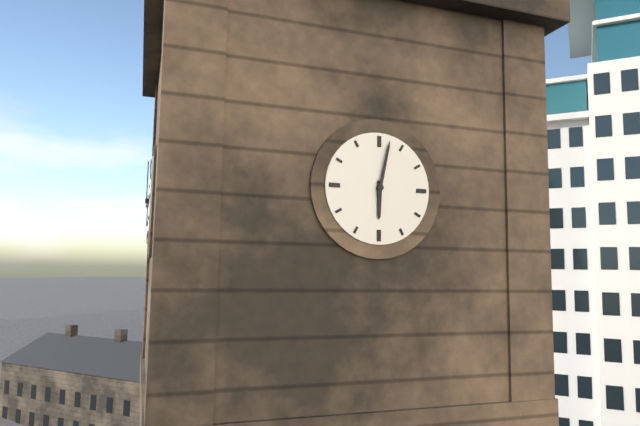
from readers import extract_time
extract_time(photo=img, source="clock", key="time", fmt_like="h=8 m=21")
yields h=6 m=2
